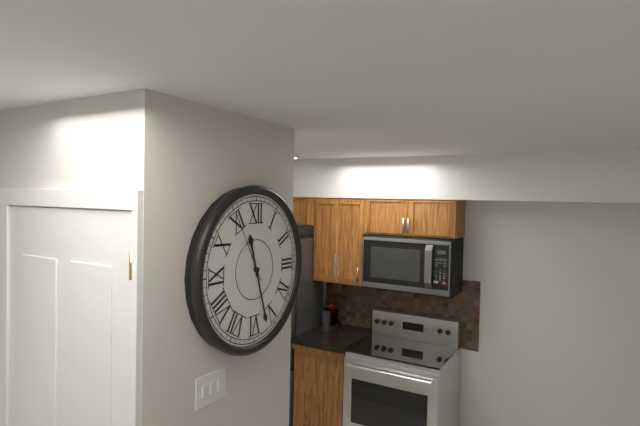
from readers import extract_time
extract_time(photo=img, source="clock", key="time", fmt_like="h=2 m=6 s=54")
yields h=11 m=27 s=55
